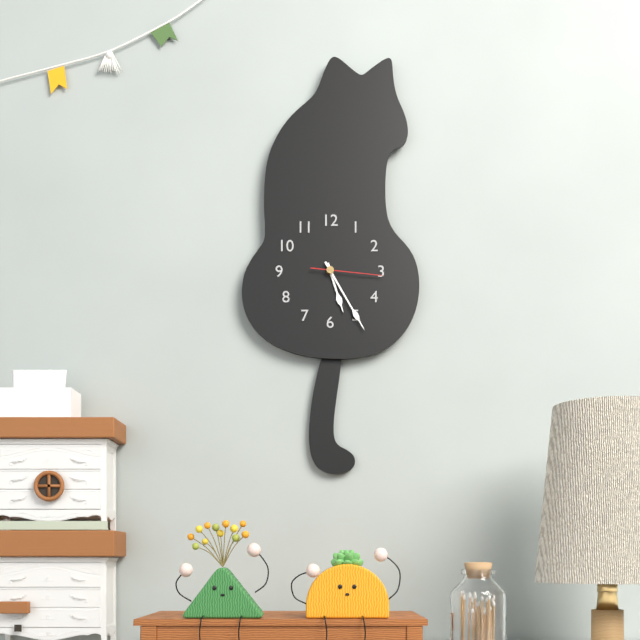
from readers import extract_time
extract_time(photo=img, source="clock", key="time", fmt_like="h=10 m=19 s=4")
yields h=5 m=25 s=16
